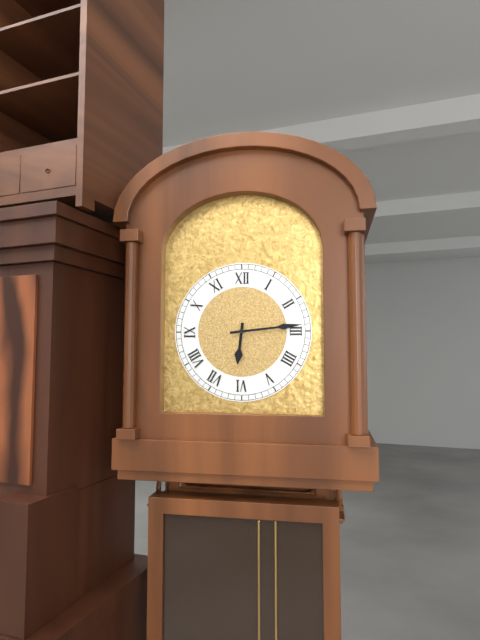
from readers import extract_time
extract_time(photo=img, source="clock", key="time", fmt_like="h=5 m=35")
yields h=6 m=14
